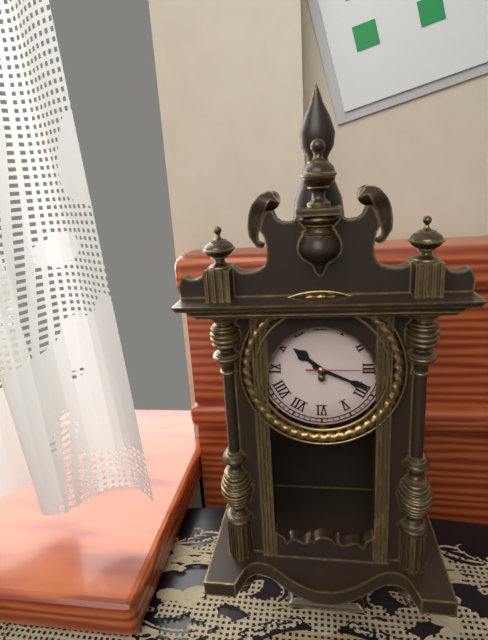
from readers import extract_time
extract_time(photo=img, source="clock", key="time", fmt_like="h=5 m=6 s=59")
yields h=10 m=19 s=15
